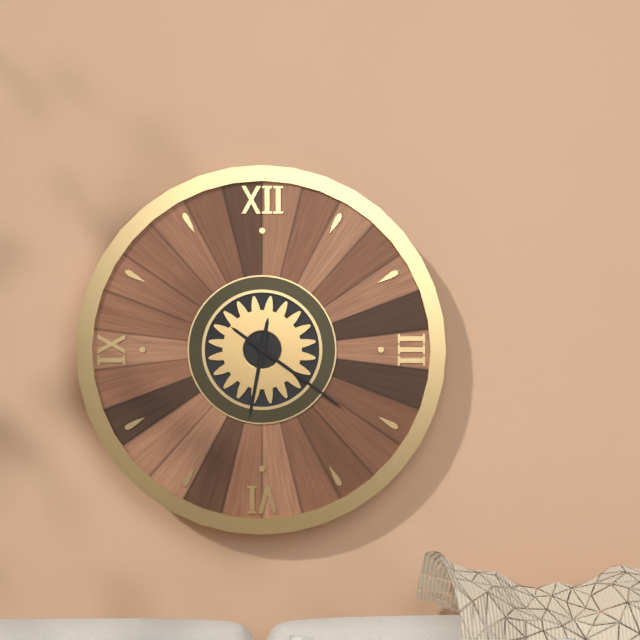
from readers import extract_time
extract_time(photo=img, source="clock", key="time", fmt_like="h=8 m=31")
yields h=6 m=21
